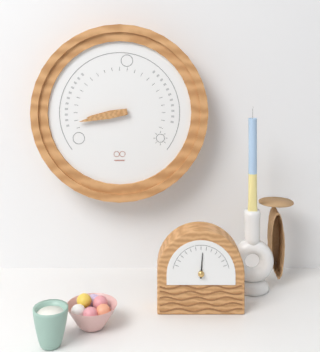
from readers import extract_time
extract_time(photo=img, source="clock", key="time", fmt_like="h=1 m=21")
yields h=8 m=43
